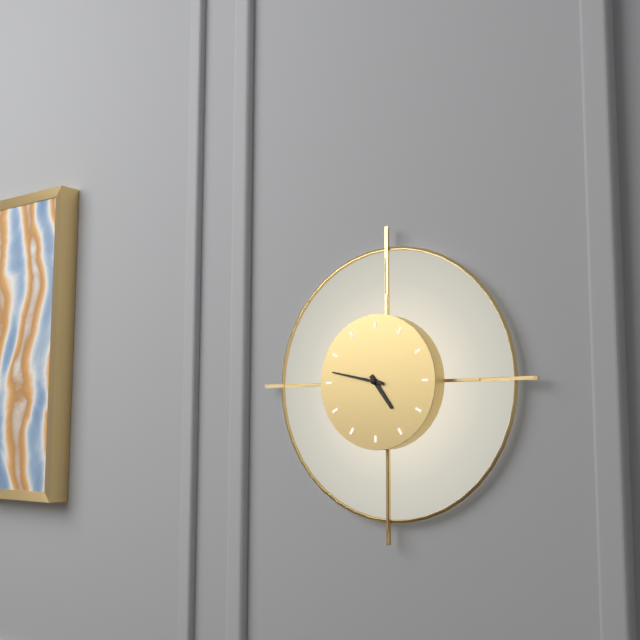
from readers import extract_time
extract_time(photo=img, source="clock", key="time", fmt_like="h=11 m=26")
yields h=4 m=47
